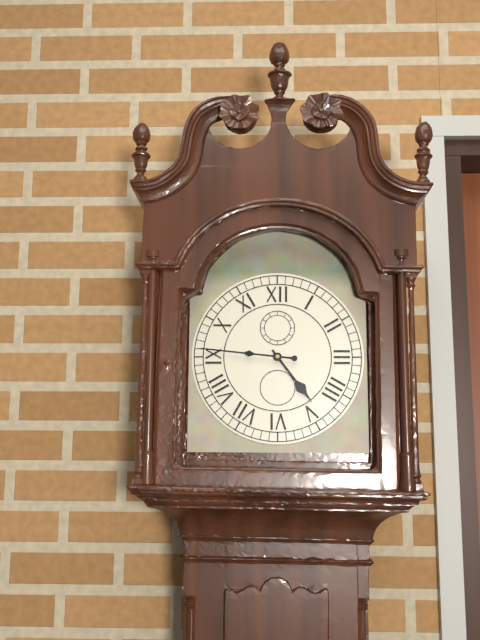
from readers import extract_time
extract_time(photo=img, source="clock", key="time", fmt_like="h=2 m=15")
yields h=4 m=46
